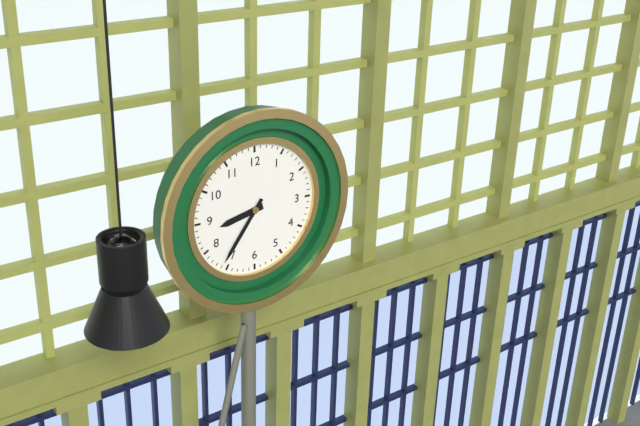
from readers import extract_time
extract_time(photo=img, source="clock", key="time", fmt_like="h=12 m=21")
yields h=8 m=36
